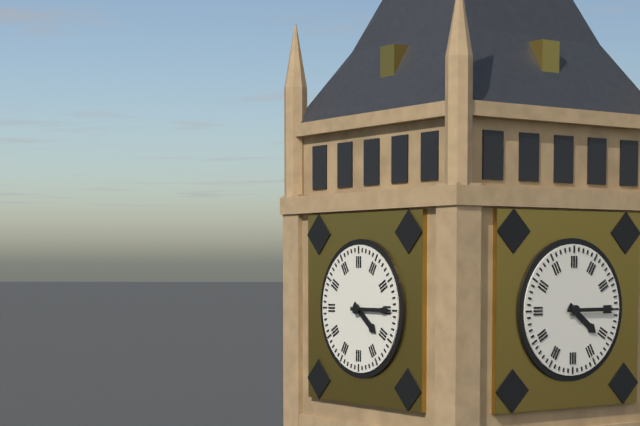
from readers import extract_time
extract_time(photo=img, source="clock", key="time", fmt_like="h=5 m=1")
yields h=4 m=15
